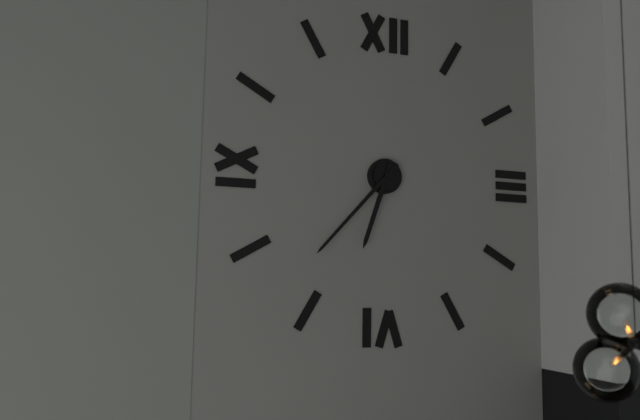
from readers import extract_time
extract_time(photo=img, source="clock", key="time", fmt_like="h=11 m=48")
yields h=6 m=37
